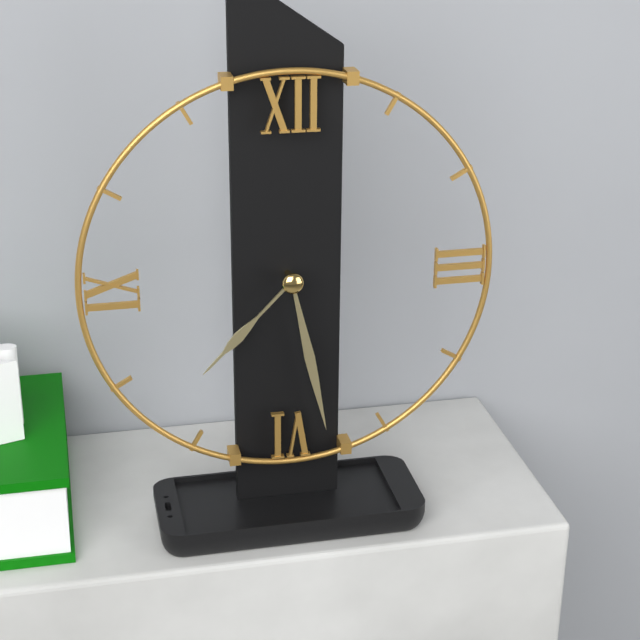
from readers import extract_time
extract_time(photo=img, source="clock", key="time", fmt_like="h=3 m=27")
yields h=7 m=28
